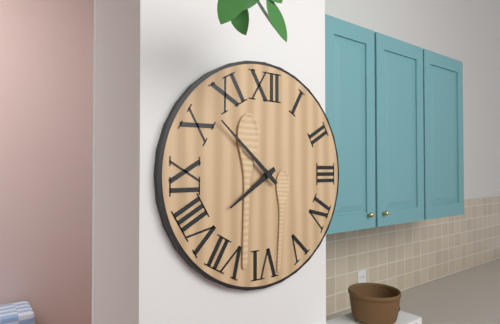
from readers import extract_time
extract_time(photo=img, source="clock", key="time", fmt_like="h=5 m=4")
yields h=7 m=52
